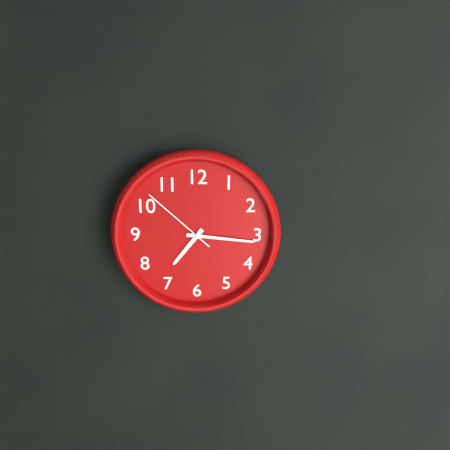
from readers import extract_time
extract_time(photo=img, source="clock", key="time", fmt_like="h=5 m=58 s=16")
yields h=7 m=16 s=52
